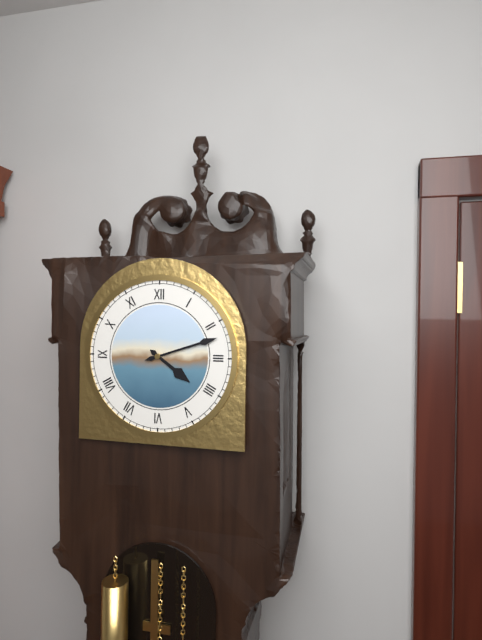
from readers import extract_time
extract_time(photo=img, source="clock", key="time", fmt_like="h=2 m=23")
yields h=4 m=12
